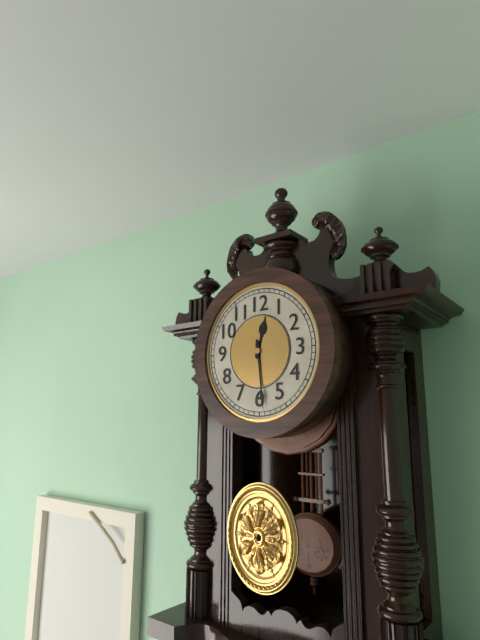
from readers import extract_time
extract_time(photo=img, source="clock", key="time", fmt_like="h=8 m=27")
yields h=12 m=29
